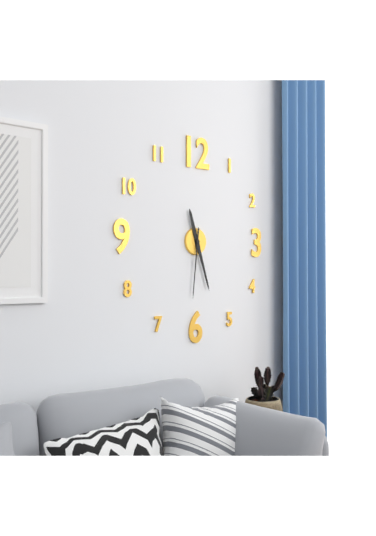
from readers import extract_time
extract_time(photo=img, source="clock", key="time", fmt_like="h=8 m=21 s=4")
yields h=11 m=27 s=31
